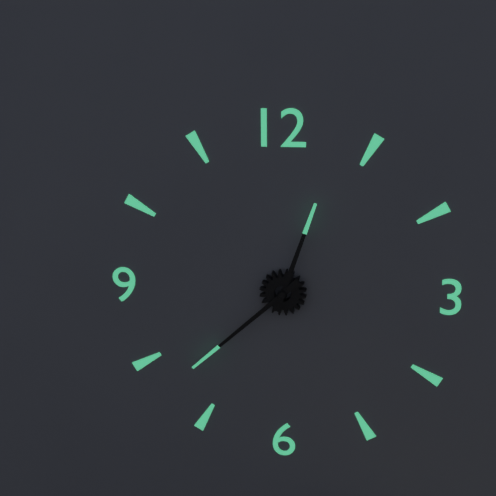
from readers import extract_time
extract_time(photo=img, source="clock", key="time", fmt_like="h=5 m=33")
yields h=12 m=38
